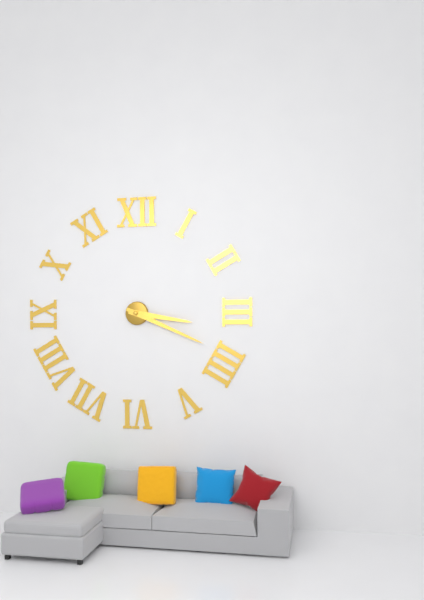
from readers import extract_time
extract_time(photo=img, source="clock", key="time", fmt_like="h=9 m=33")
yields h=3 m=19
